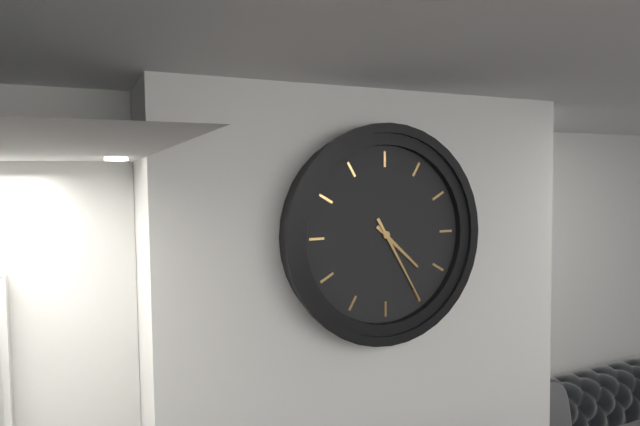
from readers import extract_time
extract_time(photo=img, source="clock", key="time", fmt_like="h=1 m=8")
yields h=4 m=25
